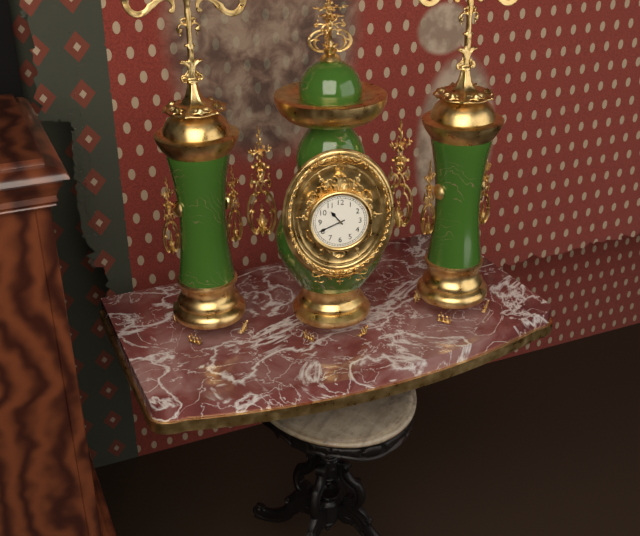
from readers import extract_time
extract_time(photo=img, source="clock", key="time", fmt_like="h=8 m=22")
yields h=10 m=41
